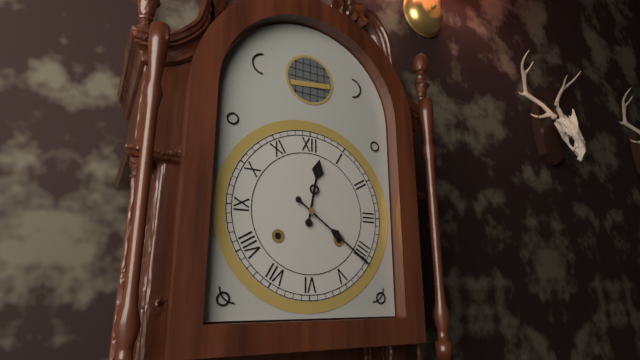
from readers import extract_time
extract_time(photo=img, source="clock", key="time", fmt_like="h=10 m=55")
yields h=12 m=21
